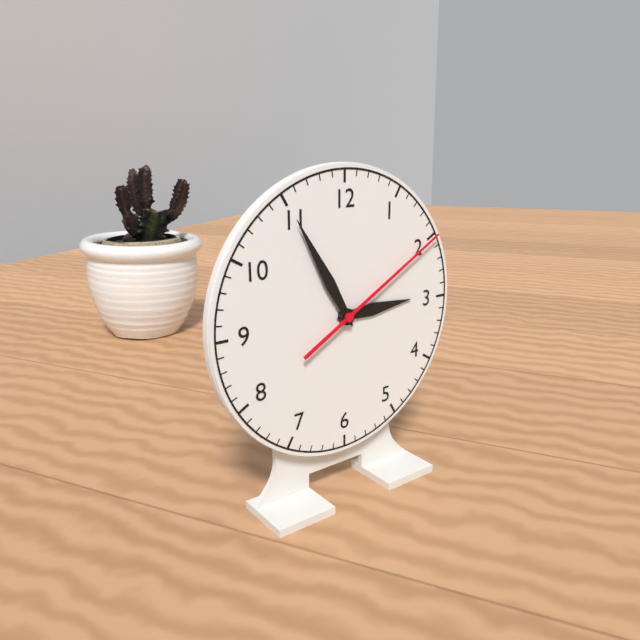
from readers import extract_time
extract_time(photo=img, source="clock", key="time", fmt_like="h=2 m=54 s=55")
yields h=2 m=55 s=10
